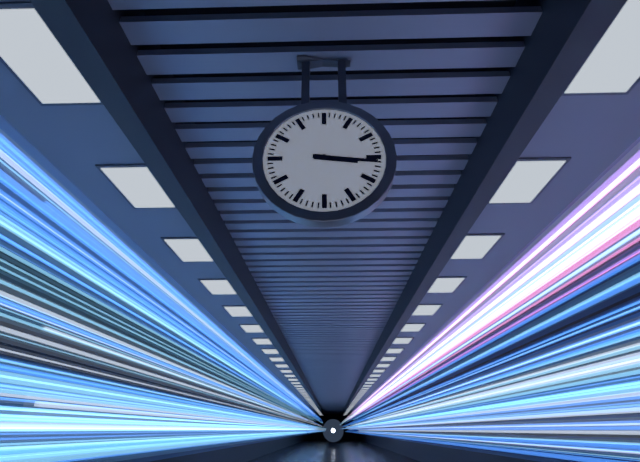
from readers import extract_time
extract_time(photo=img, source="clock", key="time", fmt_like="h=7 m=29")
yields h=3 m=16
